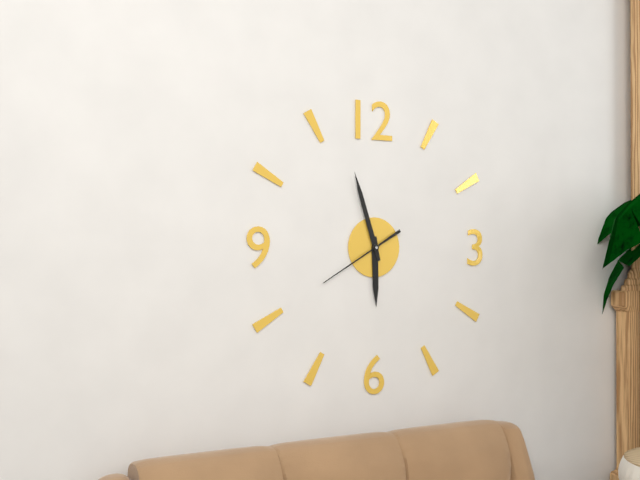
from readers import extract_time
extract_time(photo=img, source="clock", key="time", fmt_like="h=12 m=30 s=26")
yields h=5 m=57 s=40
